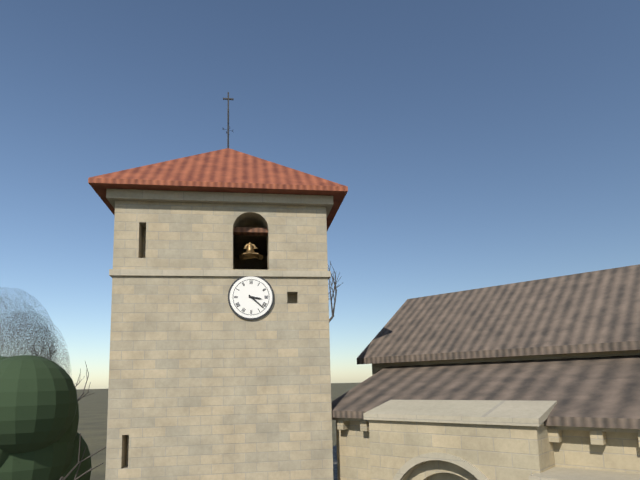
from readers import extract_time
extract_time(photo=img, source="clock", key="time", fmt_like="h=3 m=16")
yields h=3 m=22
